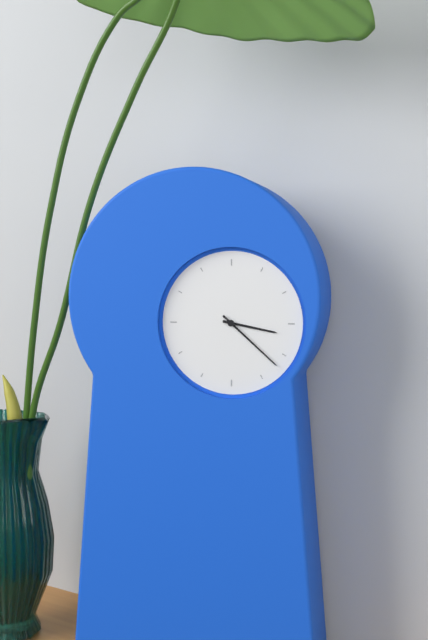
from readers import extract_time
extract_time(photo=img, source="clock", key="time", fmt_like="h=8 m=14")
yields h=3 m=22
